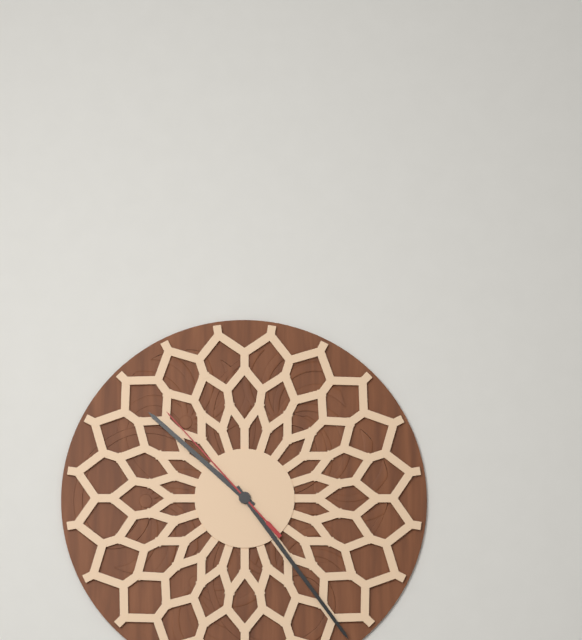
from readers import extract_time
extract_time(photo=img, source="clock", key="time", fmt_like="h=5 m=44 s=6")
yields h=10 m=24 s=53
